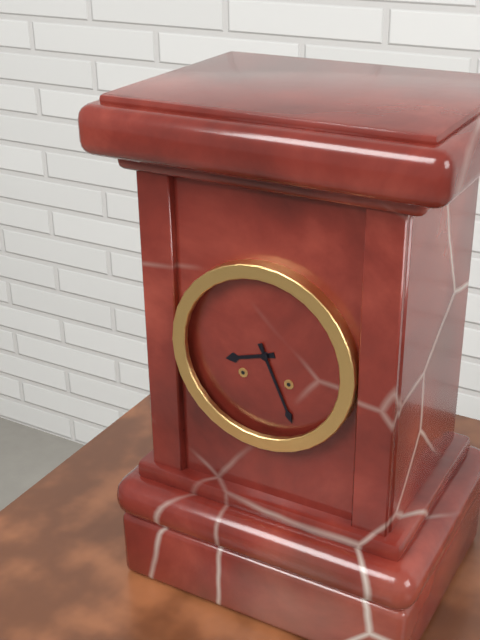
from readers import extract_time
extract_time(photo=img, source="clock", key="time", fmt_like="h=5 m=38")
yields h=8 m=26
